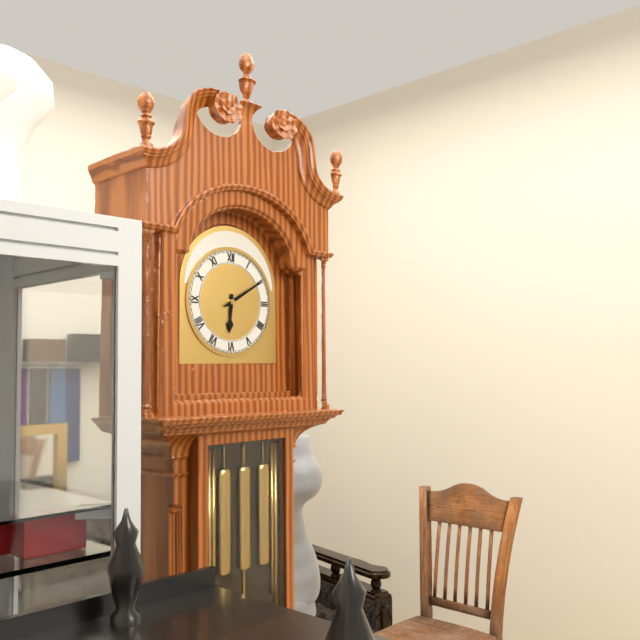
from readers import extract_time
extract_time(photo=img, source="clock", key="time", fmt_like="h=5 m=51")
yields h=6 m=10
